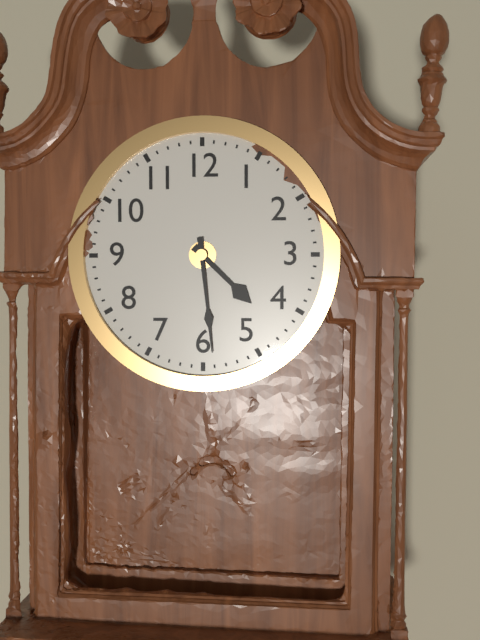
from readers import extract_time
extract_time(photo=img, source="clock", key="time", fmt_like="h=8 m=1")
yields h=4 m=29
